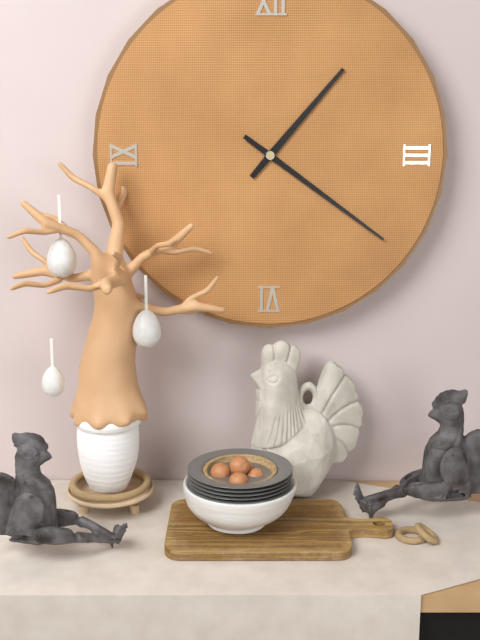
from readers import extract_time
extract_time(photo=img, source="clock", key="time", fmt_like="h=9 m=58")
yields h=1 m=21
